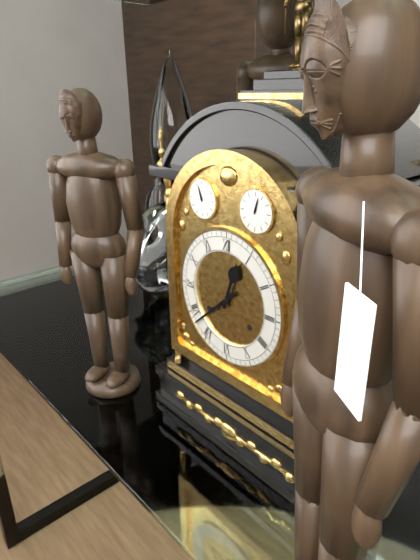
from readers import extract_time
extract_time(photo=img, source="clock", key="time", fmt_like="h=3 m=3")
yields h=12 m=38
